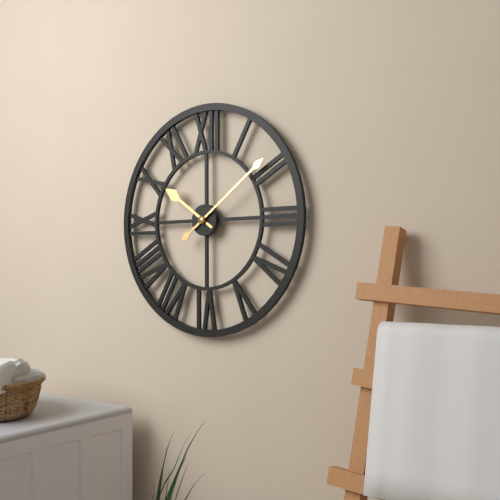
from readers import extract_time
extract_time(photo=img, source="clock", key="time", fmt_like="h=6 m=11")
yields h=10 m=9
